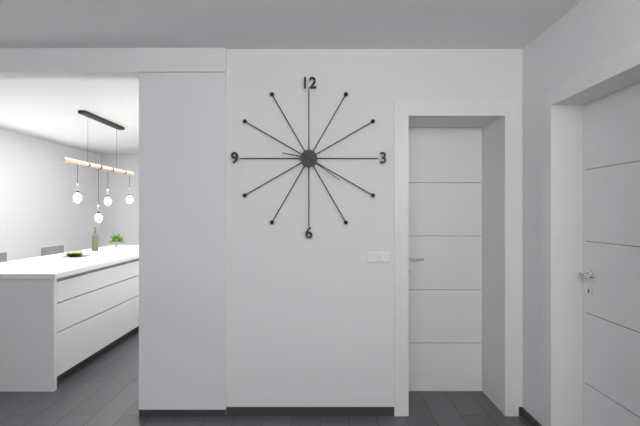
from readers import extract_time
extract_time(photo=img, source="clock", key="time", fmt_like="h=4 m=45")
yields h=9 m=21
